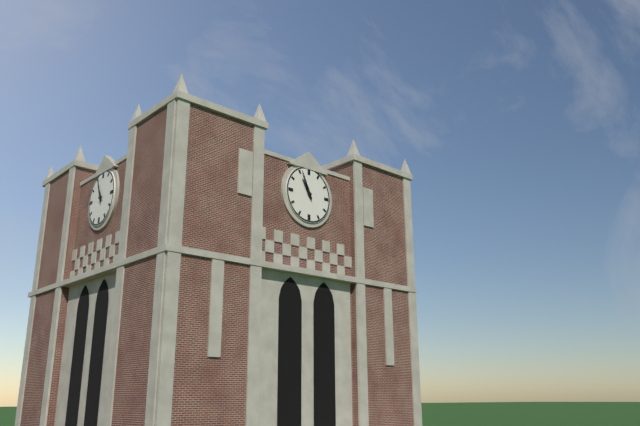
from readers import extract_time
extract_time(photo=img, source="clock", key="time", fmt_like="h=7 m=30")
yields h=10 m=56
